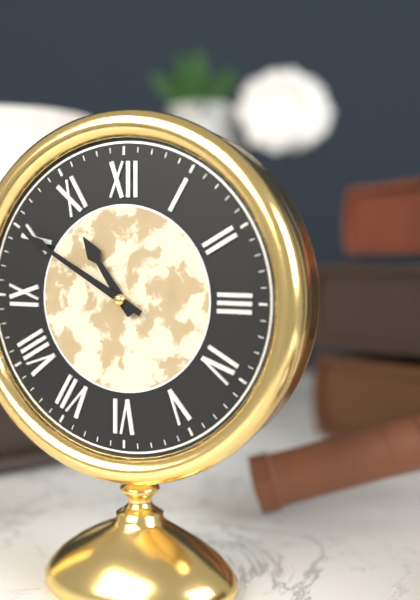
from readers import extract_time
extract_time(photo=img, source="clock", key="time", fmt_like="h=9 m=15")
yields h=10 m=50
